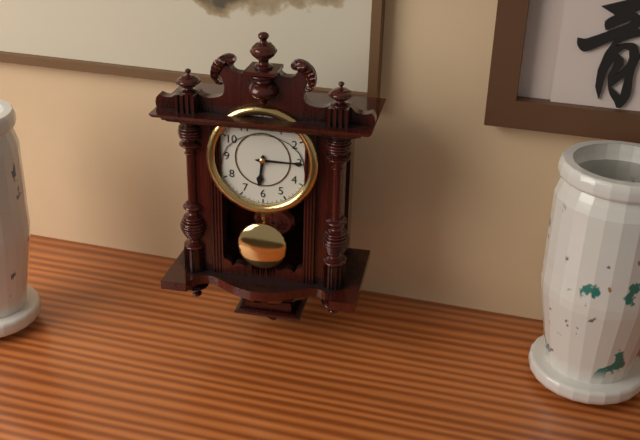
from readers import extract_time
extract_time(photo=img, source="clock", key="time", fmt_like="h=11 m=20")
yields h=6 m=15
